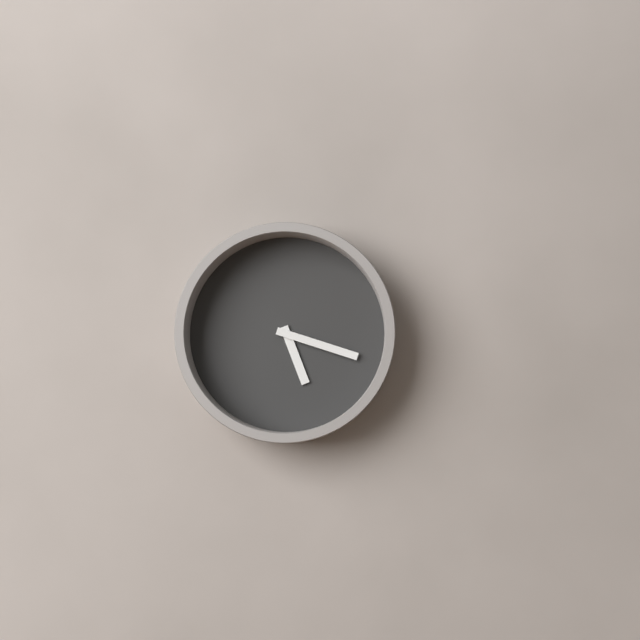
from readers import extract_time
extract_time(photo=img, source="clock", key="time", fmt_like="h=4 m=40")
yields h=5 m=18
